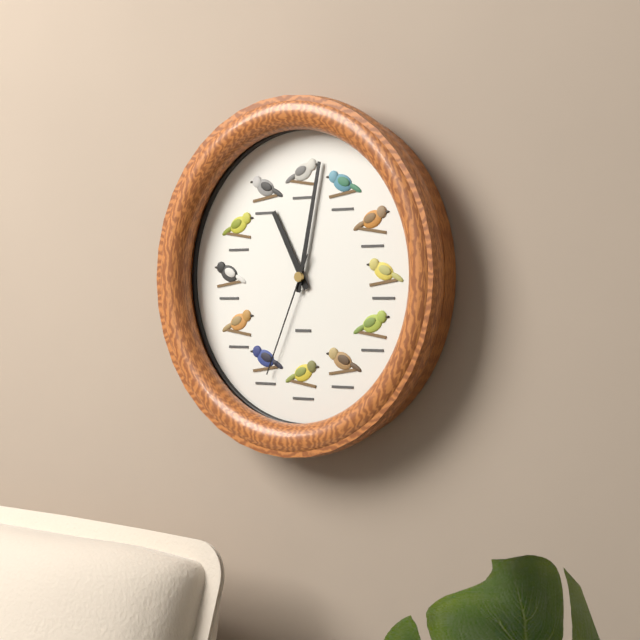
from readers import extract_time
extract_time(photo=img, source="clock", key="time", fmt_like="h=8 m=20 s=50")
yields h=11 m=2 s=34
